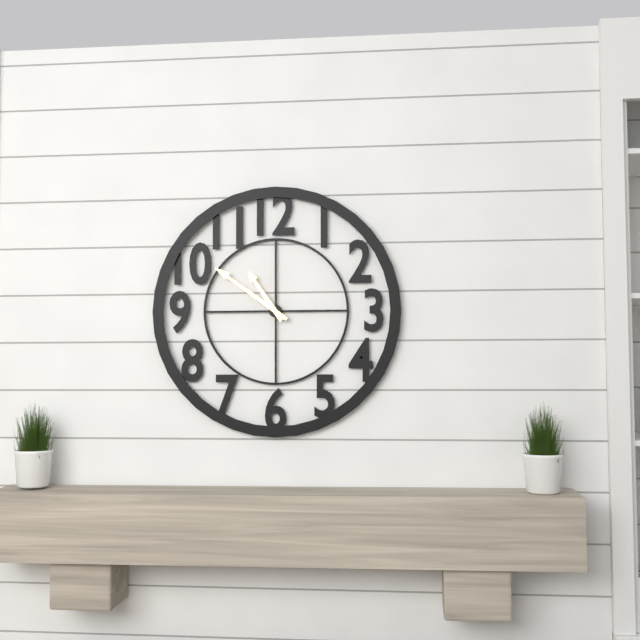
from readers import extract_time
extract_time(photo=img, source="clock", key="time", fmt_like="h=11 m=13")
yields h=10 m=51
